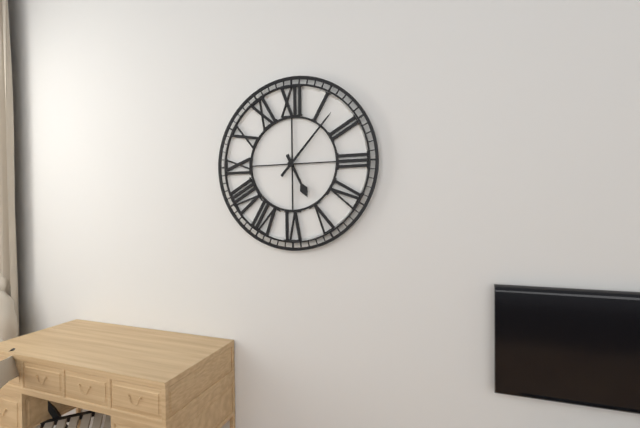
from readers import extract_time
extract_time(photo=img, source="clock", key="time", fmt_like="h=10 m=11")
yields h=5 m=7
